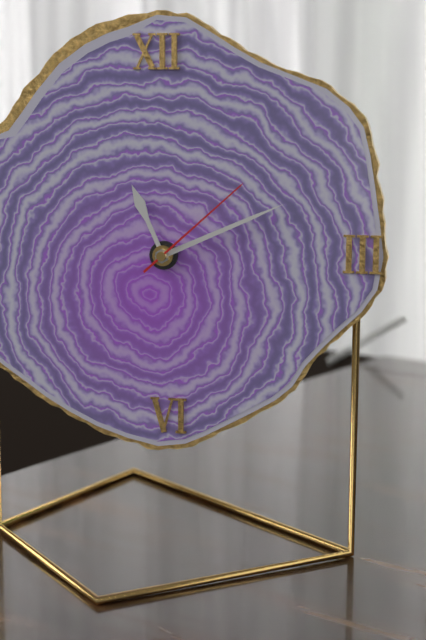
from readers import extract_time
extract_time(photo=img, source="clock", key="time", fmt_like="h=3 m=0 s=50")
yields h=11 m=11 s=8
